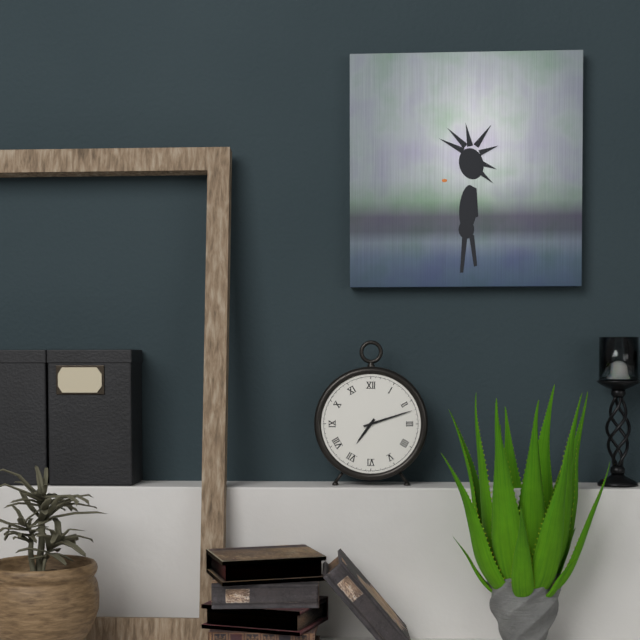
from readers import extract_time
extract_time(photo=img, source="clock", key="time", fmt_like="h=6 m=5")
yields h=7 m=12
